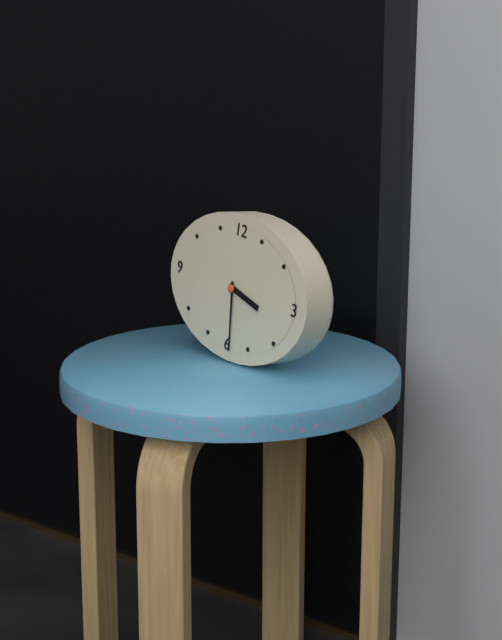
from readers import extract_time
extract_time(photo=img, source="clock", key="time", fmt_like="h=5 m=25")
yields h=3 m=29
